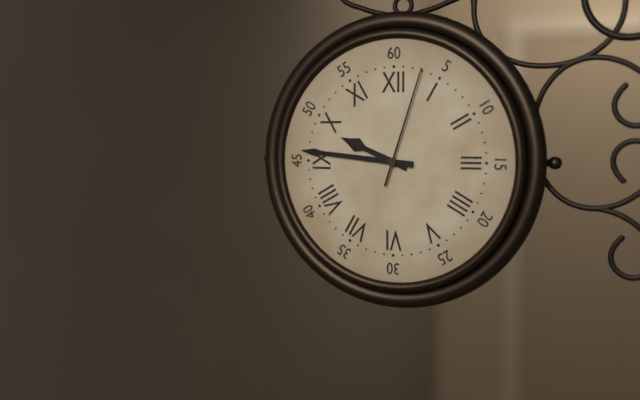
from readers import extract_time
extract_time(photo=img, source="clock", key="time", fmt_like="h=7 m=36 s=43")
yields h=9 m=46 s=3
